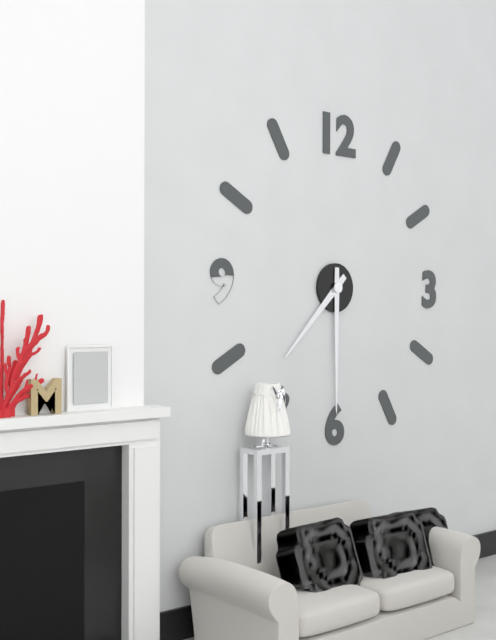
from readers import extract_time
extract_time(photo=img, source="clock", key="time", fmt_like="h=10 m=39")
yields h=7 m=30
